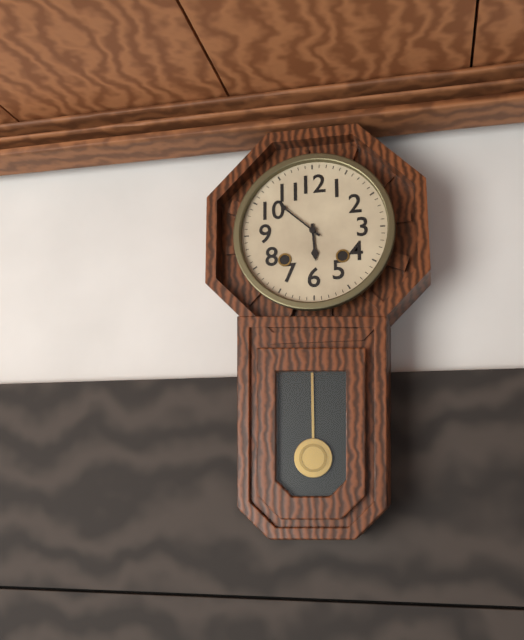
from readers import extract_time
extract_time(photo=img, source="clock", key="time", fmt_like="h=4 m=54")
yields h=5 m=52
